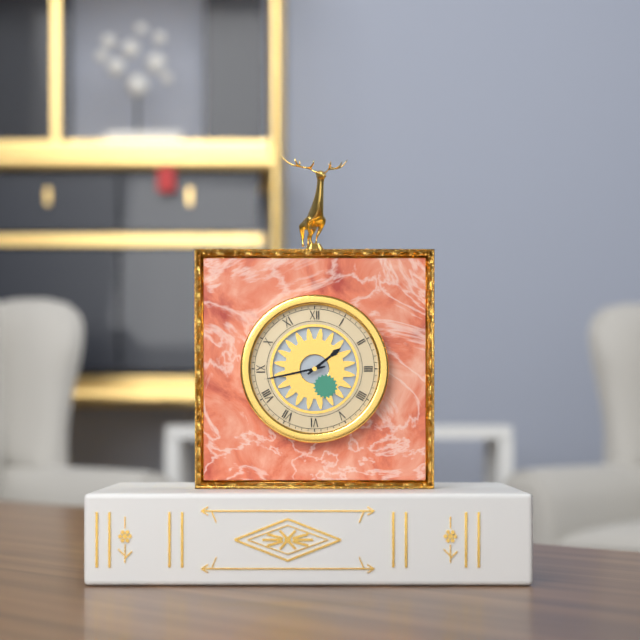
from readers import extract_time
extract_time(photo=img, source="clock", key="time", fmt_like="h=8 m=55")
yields h=1 m=43
